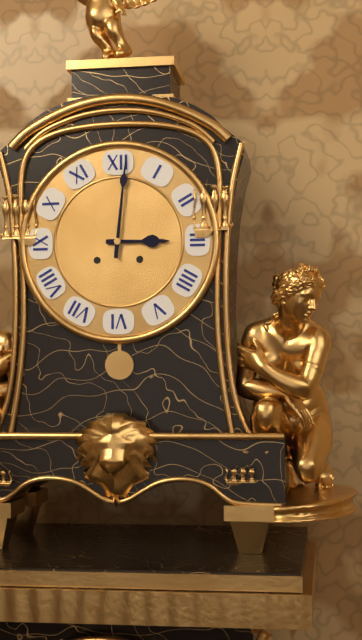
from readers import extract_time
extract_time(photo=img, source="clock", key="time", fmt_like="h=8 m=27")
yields h=3 m=1
